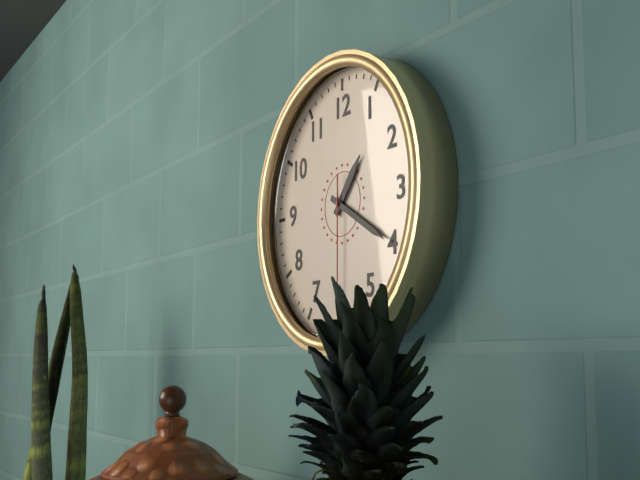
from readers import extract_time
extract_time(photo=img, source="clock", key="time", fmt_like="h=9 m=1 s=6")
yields h=1 m=20 s=30
